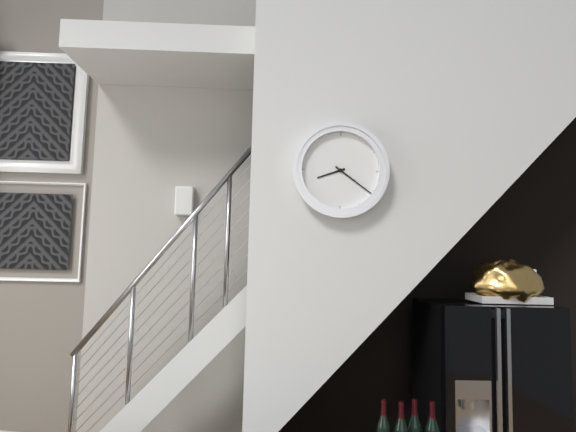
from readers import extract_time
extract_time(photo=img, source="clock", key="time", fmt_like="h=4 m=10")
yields h=8 m=21
